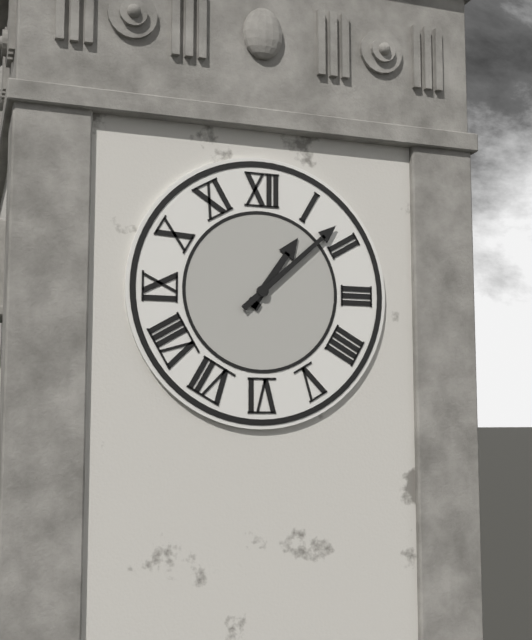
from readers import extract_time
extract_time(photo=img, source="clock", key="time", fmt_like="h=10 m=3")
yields h=1 m=8
